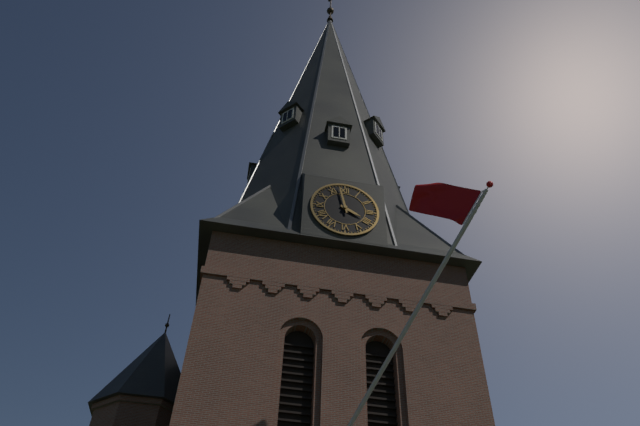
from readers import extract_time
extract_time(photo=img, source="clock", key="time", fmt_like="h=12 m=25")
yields h=3 m=58
